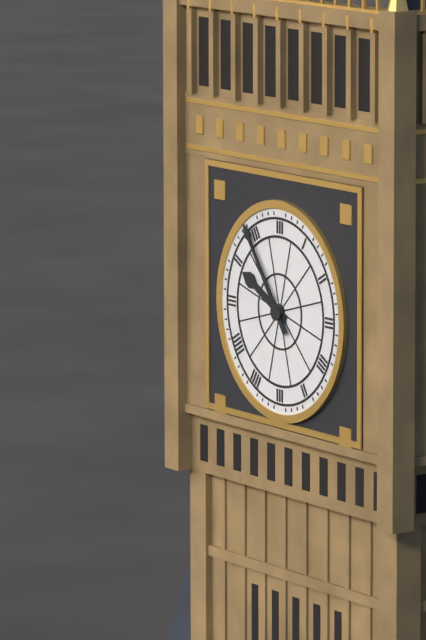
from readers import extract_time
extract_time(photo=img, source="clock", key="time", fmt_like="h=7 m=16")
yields h=9 m=54
